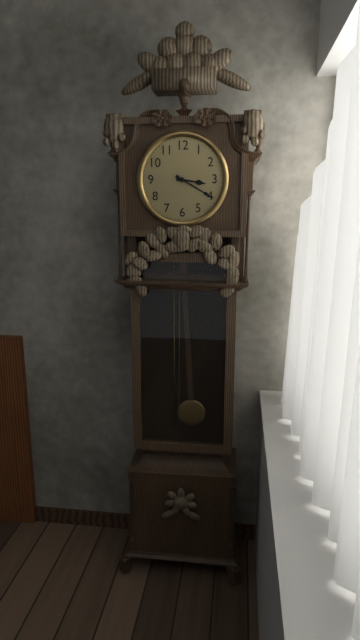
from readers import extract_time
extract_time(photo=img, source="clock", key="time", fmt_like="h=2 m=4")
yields h=3 m=20
